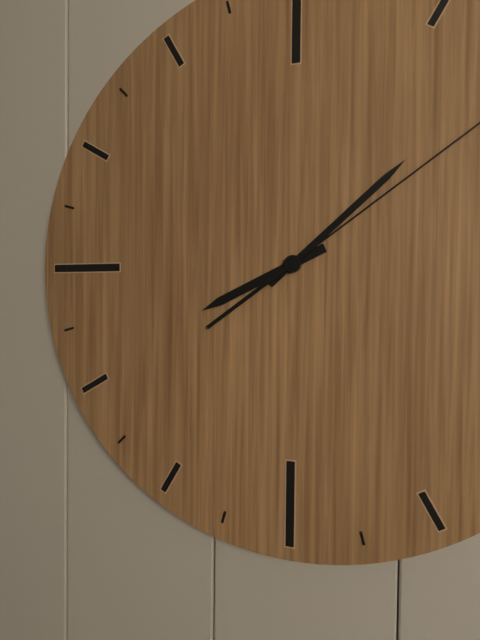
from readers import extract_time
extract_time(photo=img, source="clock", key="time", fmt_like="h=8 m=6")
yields h=8 m=8
